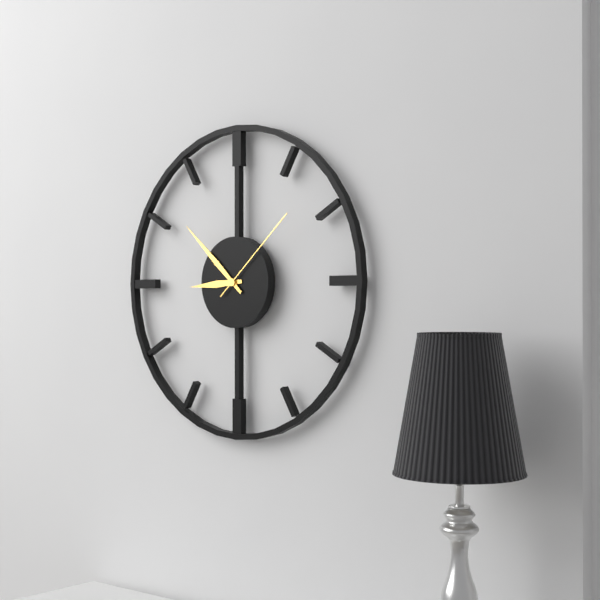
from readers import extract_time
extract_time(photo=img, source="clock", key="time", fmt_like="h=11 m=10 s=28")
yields h=8 m=52 s=8
